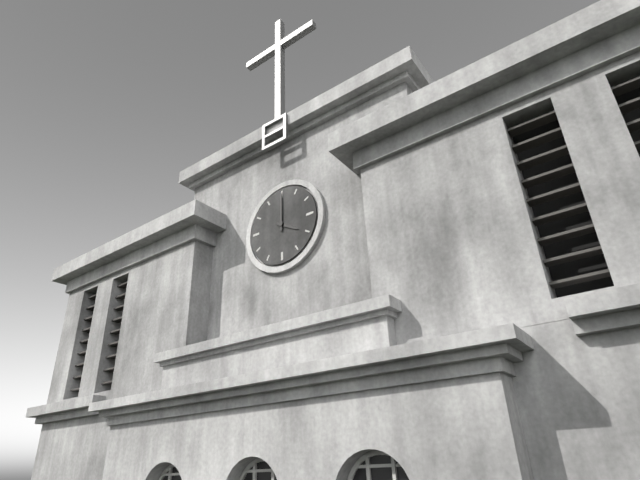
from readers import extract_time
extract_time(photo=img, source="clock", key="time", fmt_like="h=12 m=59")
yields h=4 m=0
